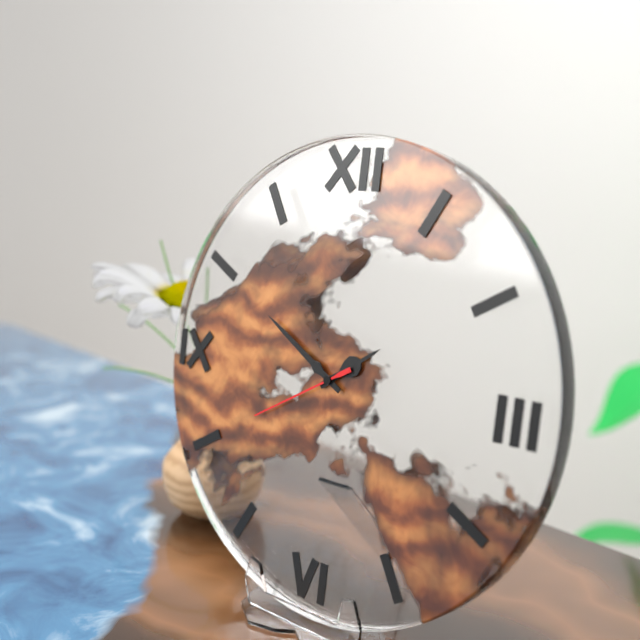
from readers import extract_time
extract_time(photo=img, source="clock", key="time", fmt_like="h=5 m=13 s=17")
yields h=1 m=50 s=40
